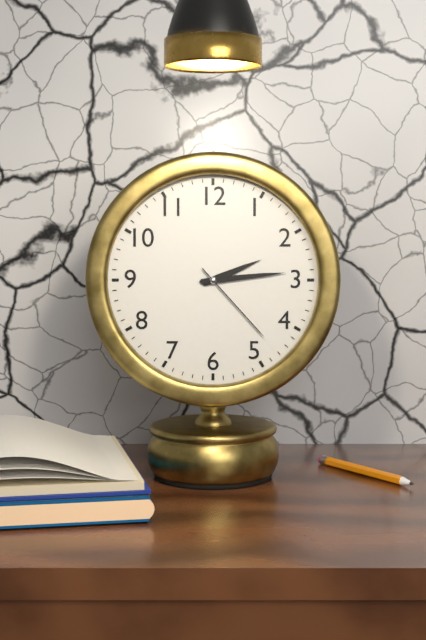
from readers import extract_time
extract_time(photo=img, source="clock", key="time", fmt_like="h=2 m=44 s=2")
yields h=2 m=14 s=23
